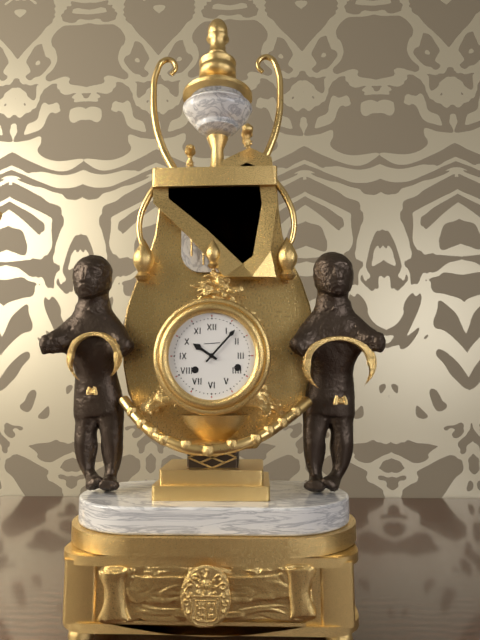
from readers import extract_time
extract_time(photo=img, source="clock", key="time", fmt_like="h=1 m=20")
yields h=10 m=7
